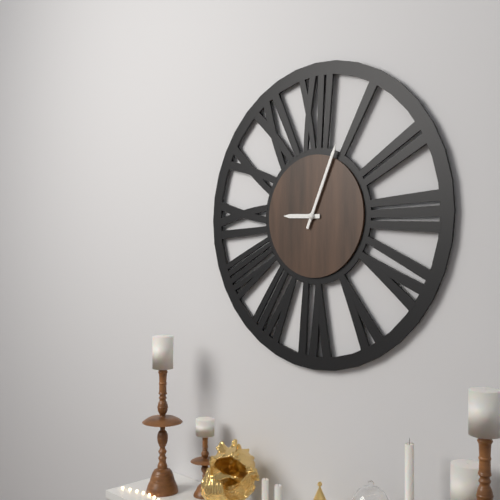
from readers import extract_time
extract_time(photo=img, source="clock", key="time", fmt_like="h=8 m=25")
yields h=9 m=4
